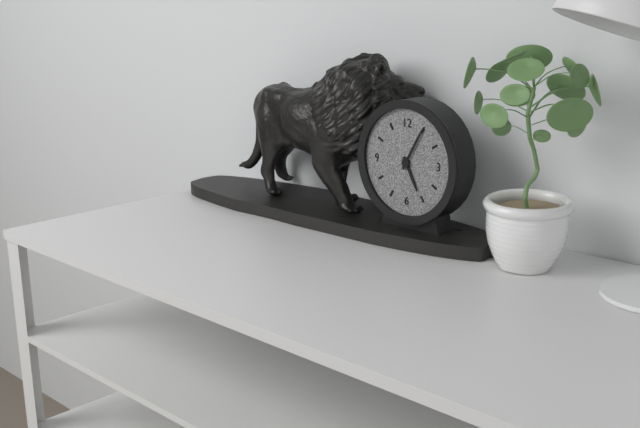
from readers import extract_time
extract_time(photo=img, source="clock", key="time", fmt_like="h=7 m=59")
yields h=5 m=5
